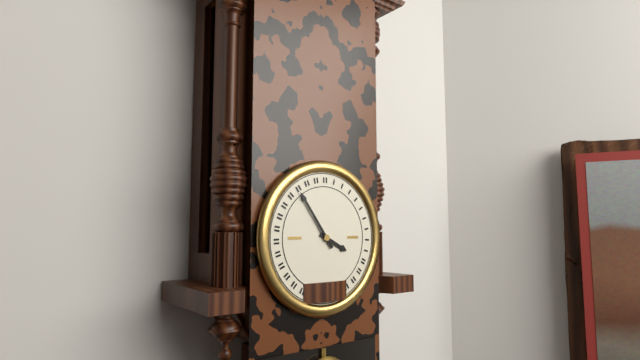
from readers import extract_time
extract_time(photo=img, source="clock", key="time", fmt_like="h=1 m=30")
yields h=3 m=54
